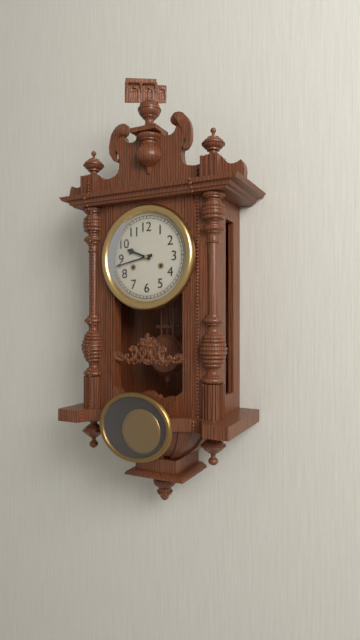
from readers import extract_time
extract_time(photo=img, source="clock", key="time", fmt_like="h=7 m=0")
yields h=9 m=43
